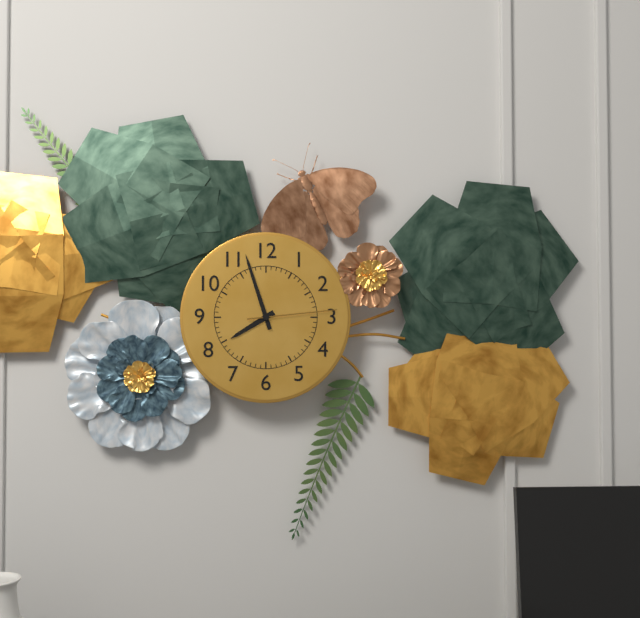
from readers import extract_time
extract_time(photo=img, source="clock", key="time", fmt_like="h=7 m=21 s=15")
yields h=7 m=57 s=14
